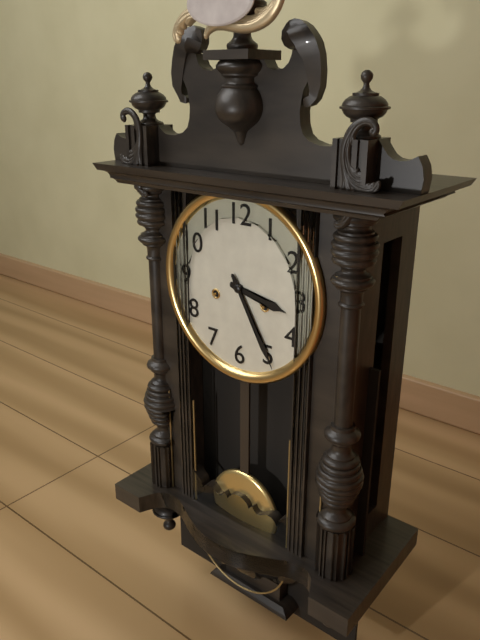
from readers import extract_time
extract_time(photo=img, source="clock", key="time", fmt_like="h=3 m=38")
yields h=3 m=25
